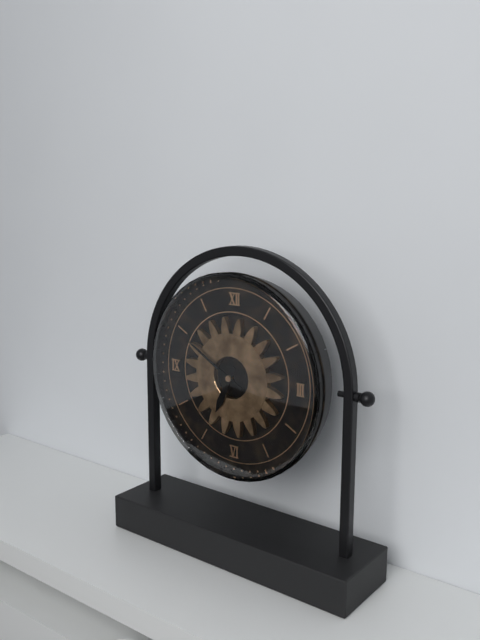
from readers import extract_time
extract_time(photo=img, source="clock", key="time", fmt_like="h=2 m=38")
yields h=6 m=50
